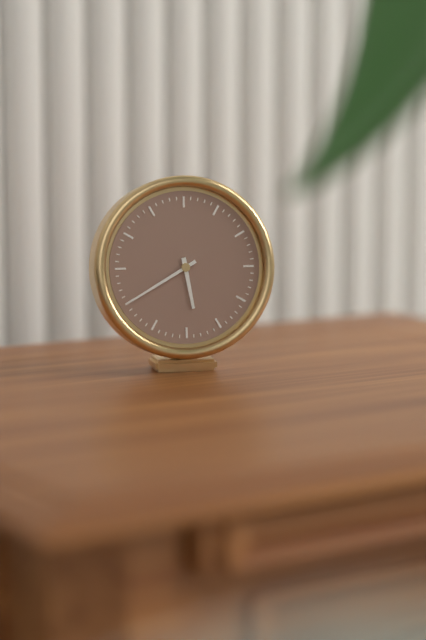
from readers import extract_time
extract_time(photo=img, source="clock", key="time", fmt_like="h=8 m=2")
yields h=5 m=40
